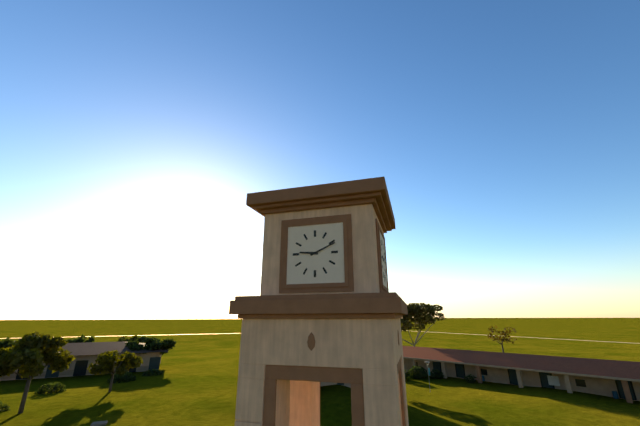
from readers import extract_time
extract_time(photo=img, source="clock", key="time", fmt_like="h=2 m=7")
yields h=9 m=11
